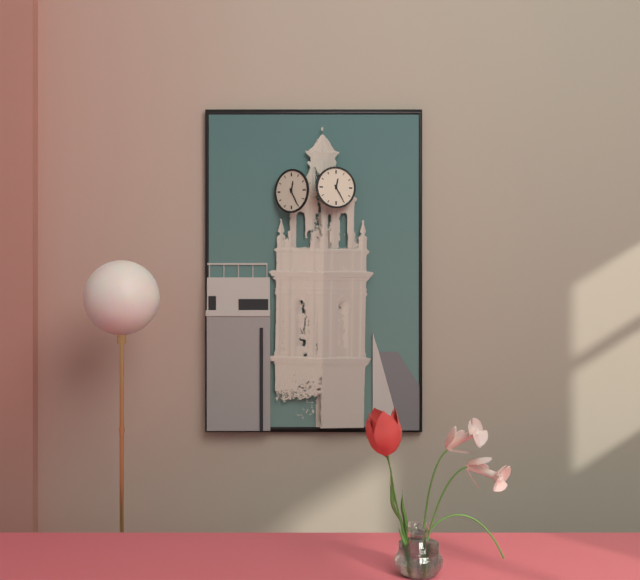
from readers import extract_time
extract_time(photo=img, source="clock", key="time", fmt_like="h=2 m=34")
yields h=12 m=25
